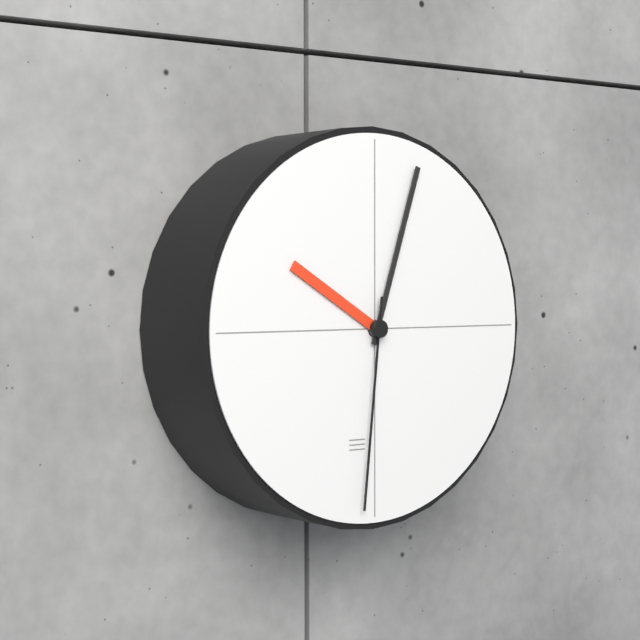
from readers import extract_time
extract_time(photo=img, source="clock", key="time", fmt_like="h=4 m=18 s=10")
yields h=10 m=3 s=31
